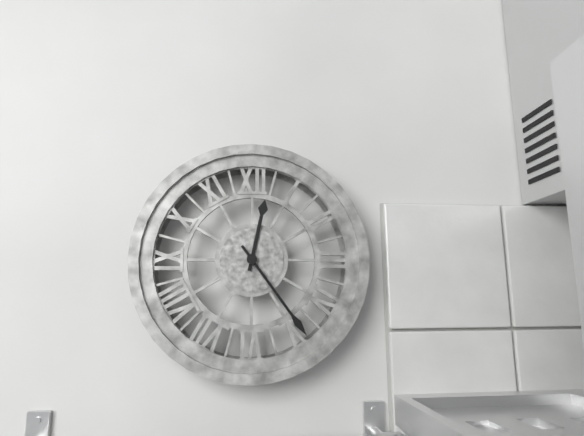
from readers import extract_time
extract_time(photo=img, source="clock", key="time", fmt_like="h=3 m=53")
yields h=12 m=24
